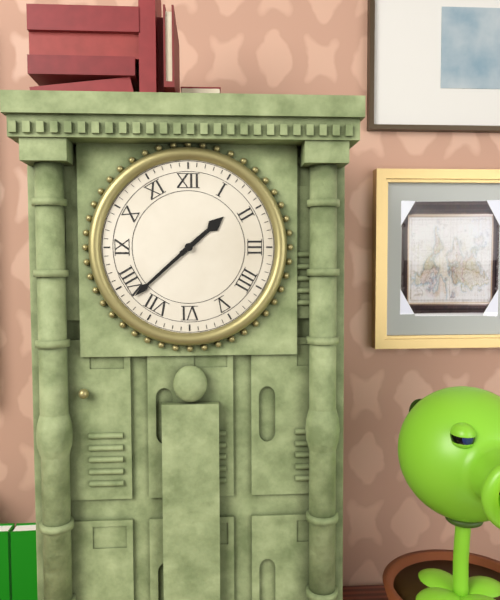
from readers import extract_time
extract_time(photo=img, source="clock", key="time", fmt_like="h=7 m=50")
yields h=1 m=38
